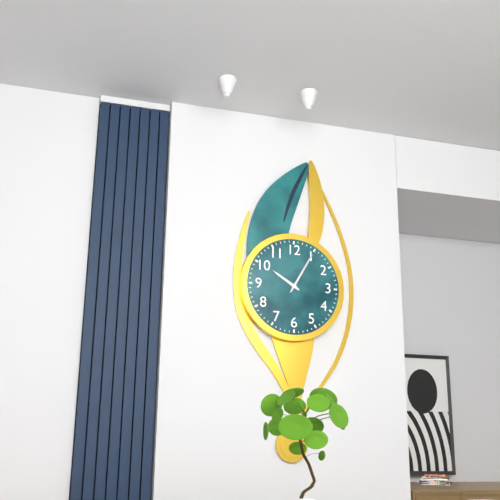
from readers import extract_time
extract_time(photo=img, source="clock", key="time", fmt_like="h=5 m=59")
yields h=10 m=5
